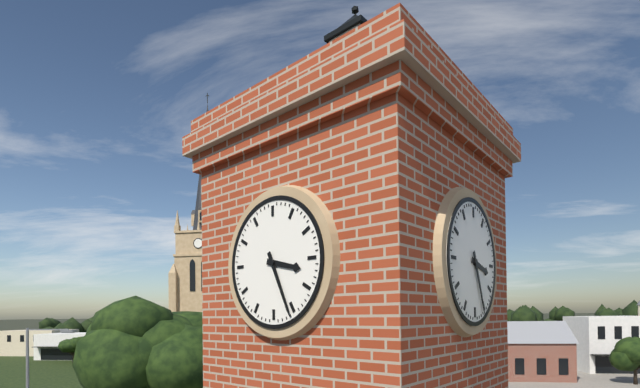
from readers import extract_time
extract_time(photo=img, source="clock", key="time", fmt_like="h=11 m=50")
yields h=3 m=26
